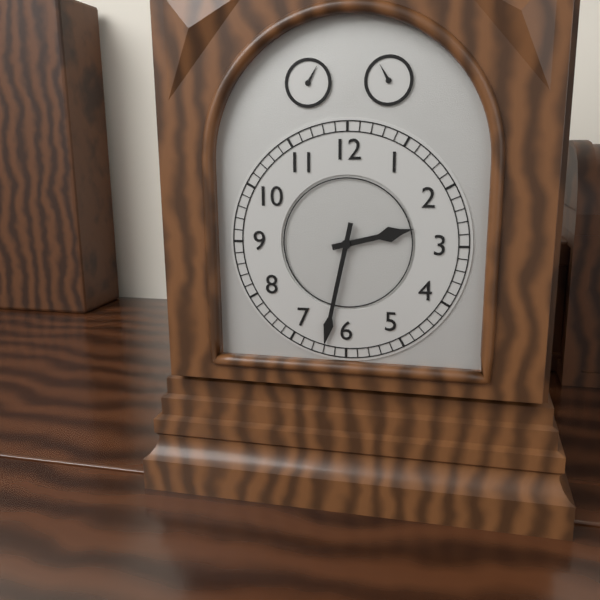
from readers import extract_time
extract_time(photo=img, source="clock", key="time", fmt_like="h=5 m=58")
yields h=2 m=32
